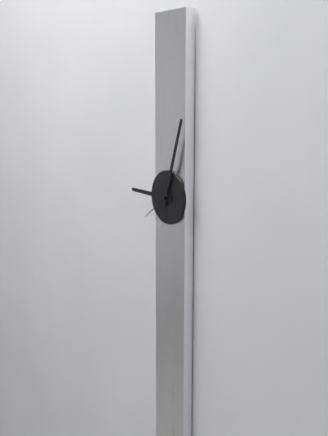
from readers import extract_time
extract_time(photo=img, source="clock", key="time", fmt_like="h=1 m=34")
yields h=9 m=3
